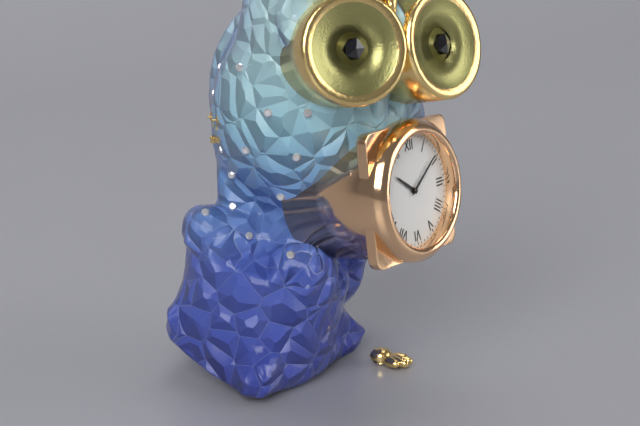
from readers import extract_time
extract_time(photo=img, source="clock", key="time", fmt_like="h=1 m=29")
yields h=10 m=9
